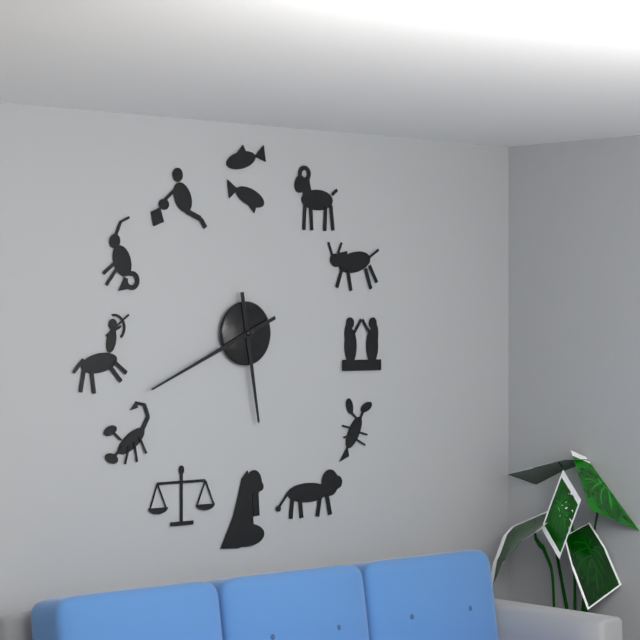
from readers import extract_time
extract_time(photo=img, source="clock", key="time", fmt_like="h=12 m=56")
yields h=5 m=41
